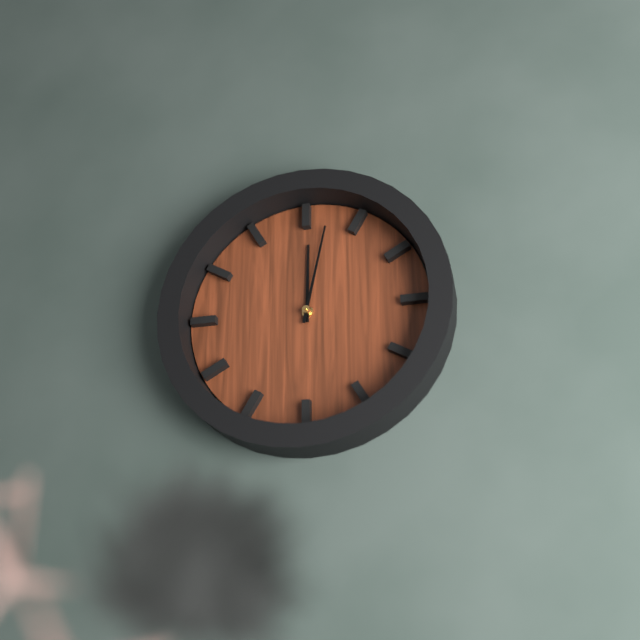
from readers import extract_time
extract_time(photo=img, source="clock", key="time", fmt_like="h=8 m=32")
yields h=12 m=2
